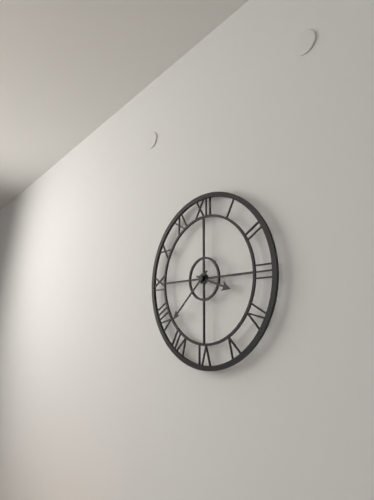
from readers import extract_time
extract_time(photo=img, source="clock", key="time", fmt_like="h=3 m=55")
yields h=3 m=38
